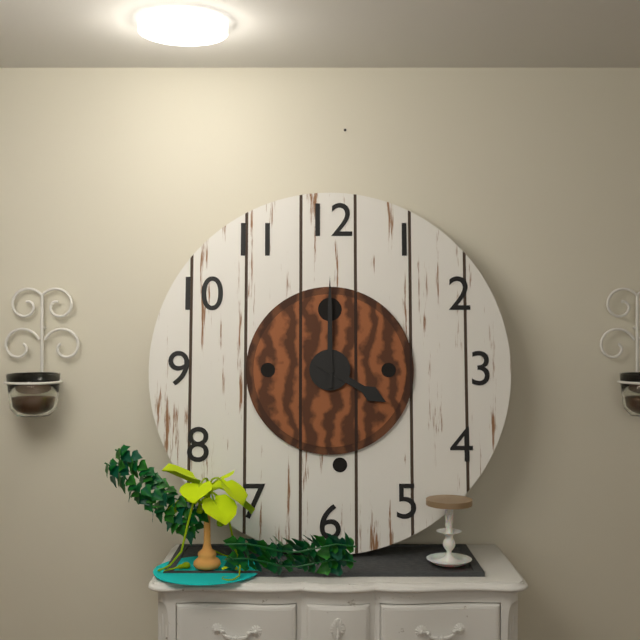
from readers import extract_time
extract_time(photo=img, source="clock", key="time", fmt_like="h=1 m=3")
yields h=4 m=0
